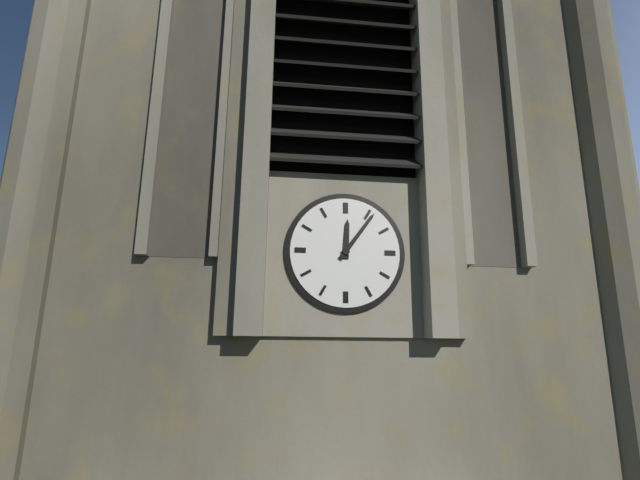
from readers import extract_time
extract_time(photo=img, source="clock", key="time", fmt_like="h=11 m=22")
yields h=12 m=6
